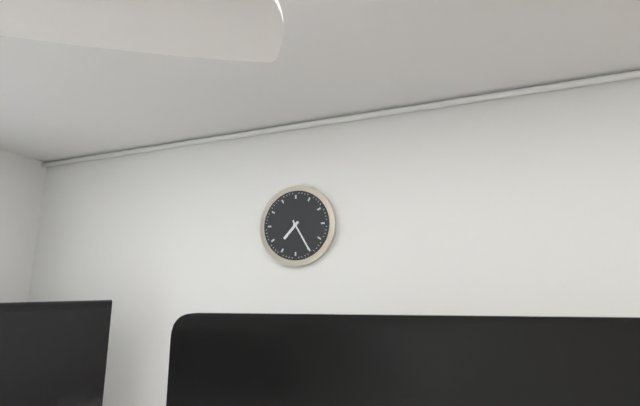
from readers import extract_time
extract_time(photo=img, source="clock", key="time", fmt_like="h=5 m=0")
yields h=7 m=25
